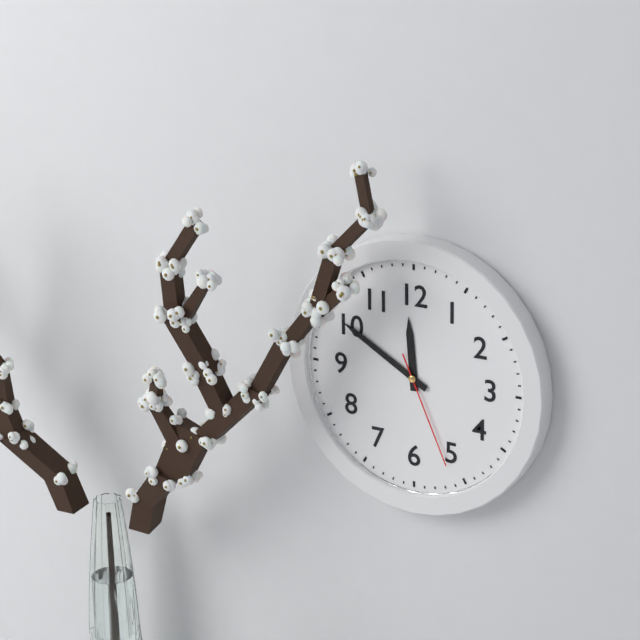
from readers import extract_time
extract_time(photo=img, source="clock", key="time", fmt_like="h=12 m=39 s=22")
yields h=11 m=50 s=26
